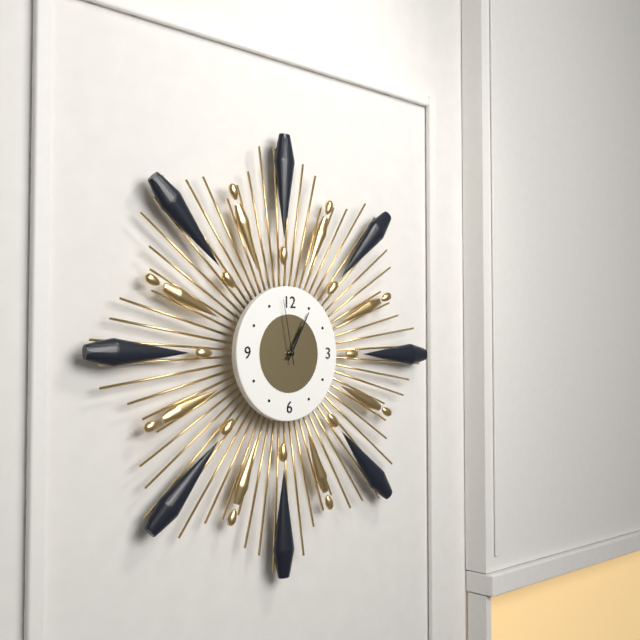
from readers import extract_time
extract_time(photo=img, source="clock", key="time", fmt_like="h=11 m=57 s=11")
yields h=1 m=5 s=58
